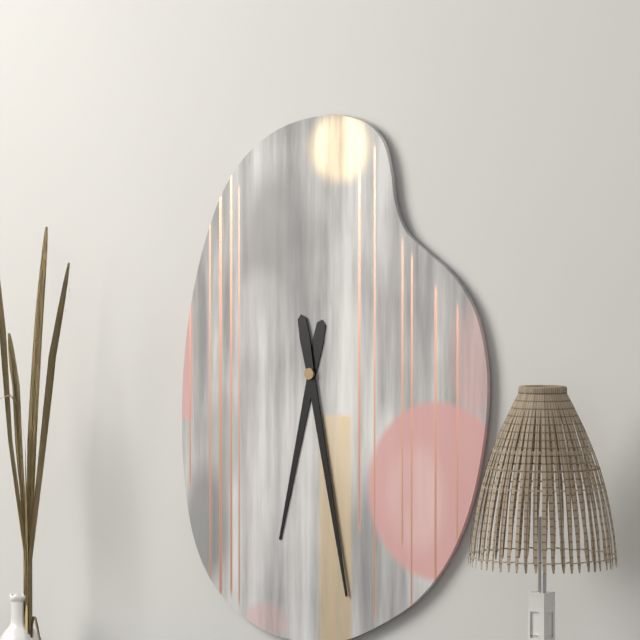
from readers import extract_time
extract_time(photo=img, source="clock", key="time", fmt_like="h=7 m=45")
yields h=6 m=28
